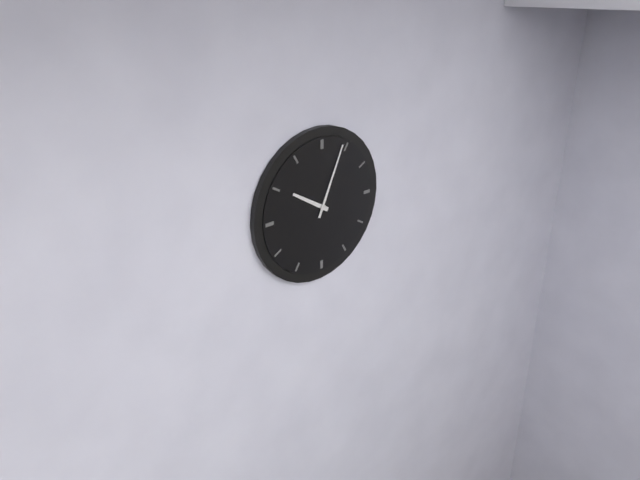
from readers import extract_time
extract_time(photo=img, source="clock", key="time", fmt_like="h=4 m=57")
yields h=10 m=4
